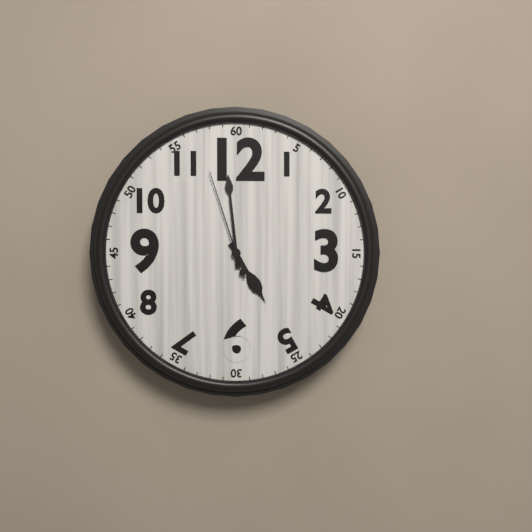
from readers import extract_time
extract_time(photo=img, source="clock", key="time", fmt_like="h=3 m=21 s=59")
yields h=4 m=59 s=57
